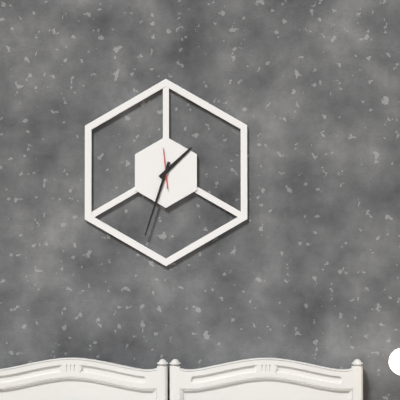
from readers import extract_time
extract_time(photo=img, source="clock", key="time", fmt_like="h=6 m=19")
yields h=1 m=33
